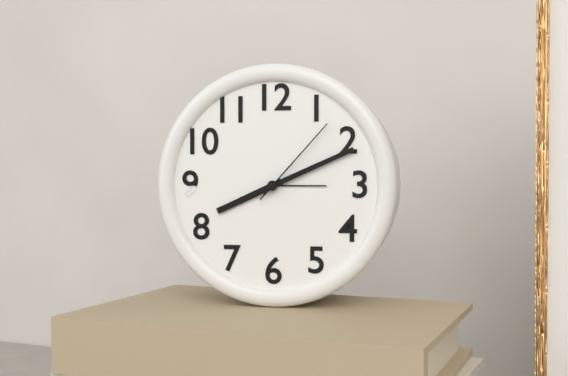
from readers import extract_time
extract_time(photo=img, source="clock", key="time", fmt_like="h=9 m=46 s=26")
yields h=8 m=11 s=7
